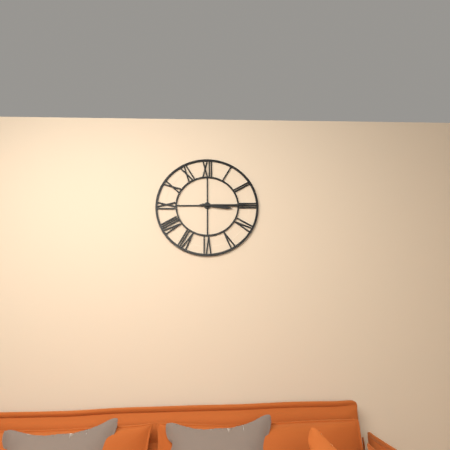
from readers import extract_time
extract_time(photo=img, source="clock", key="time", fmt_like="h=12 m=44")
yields h=3 m=15
